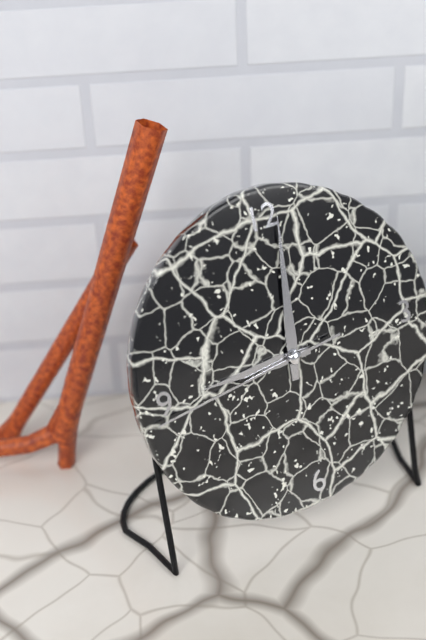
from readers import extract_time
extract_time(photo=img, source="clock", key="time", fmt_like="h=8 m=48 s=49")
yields h=9 m=1 s=44
